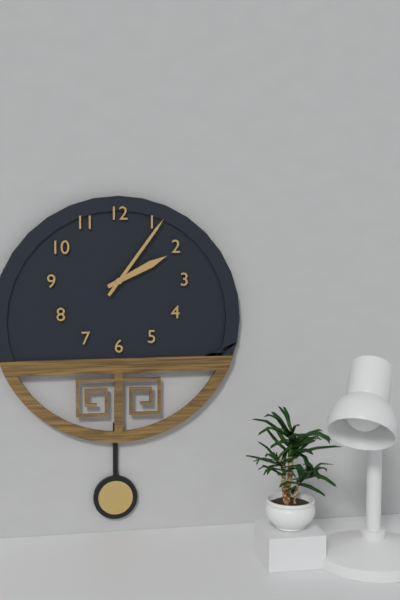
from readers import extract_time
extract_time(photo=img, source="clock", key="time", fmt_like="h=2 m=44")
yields h=2 m=6
